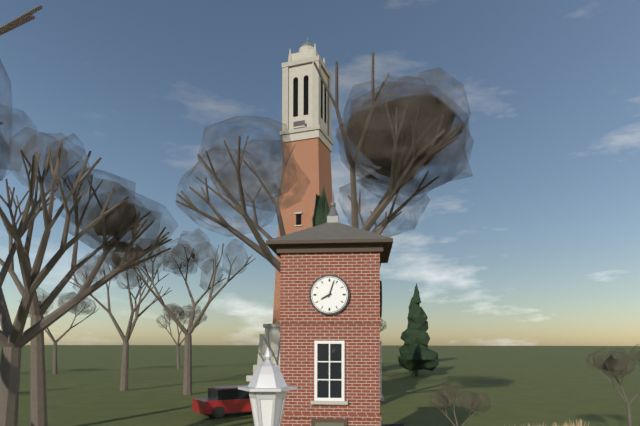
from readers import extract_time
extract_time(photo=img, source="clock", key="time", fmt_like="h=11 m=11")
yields h=8 m=3
